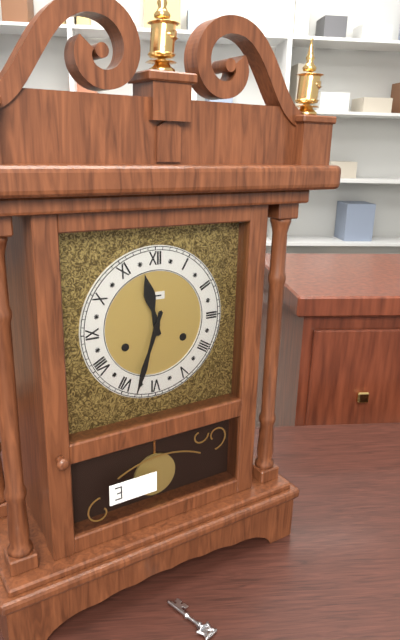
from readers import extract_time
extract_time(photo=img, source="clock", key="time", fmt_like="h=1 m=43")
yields h=11 m=33
